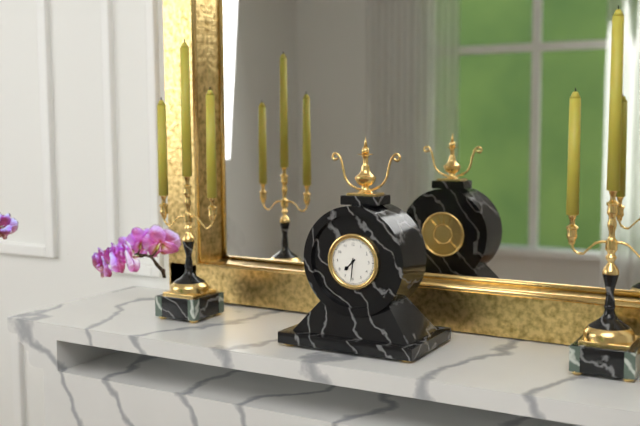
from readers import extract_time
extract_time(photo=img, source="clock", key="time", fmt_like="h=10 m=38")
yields h=7 m=31
